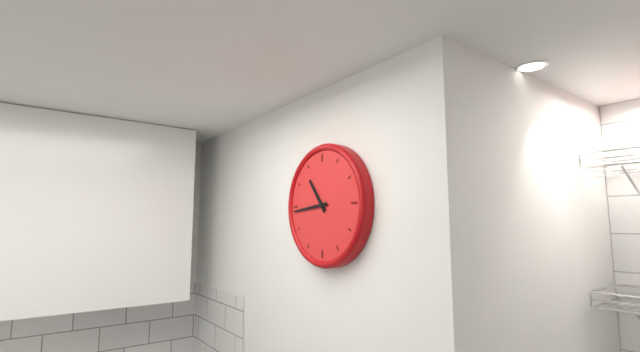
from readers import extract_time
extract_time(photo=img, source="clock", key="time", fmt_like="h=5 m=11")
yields h=10 m=44
